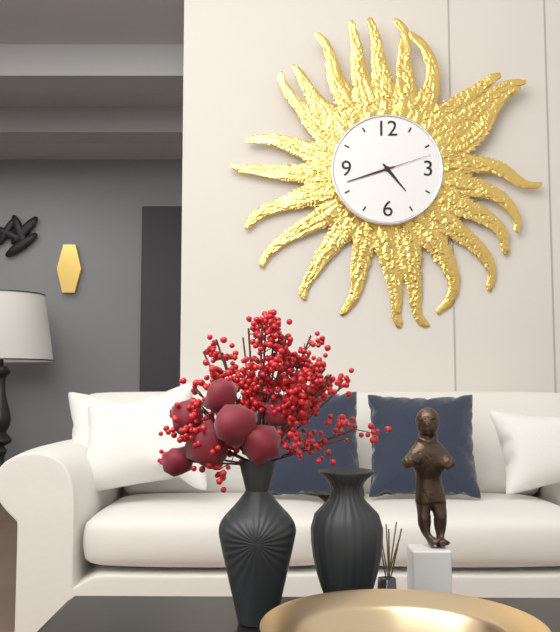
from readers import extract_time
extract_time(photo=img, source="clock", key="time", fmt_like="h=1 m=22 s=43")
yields h=4 m=42 s=12
